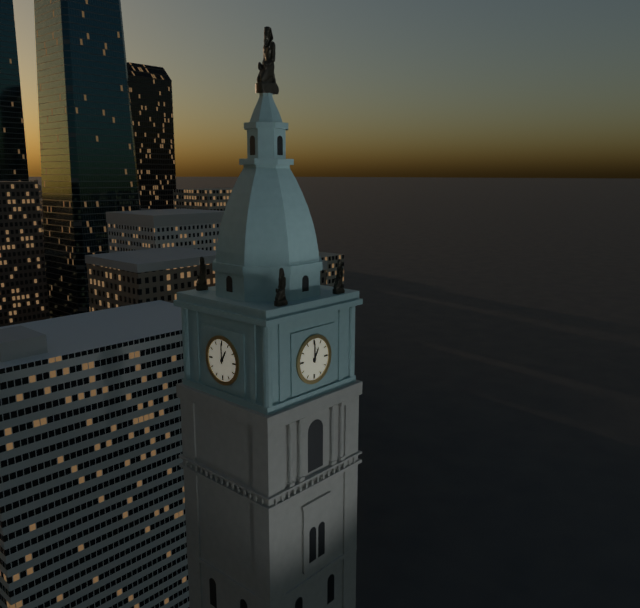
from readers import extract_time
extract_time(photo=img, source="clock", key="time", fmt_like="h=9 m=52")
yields h=1 m=0
